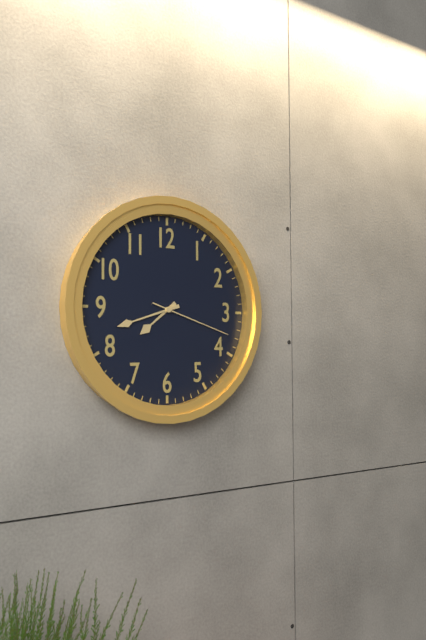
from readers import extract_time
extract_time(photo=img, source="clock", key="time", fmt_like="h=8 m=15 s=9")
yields h=7 m=42 s=18
